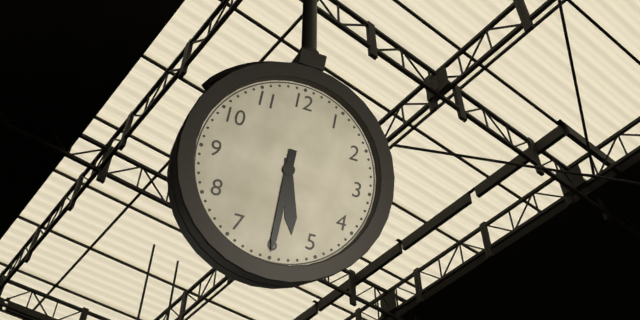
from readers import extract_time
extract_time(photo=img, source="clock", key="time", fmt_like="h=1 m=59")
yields h=5 m=30
